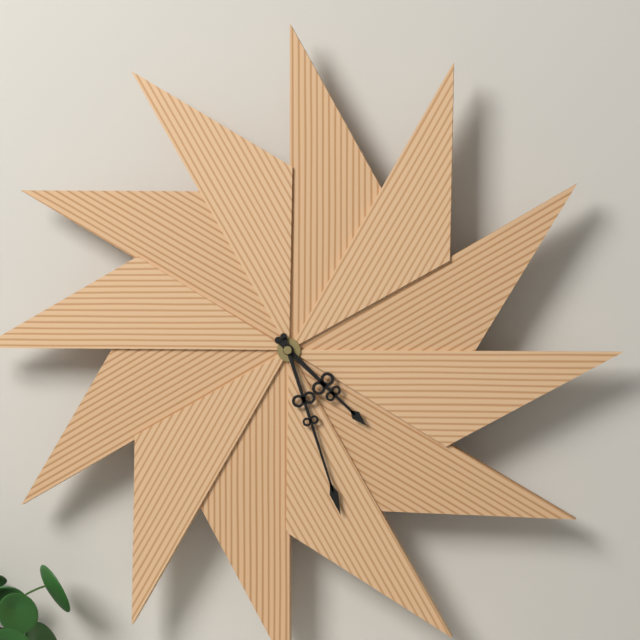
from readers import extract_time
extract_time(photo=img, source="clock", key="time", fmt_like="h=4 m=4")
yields h=4 m=27
